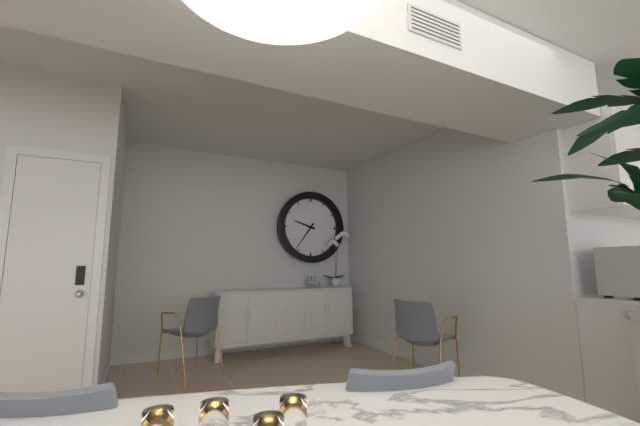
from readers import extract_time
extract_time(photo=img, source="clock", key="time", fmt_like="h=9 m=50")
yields h=9 m=36
